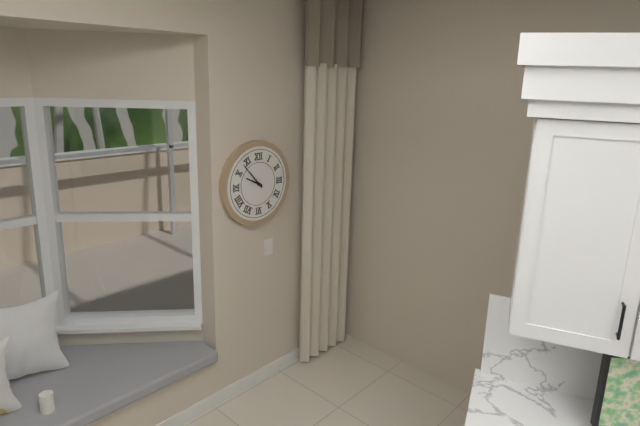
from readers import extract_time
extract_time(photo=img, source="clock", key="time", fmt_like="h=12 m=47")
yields h=9 m=53
